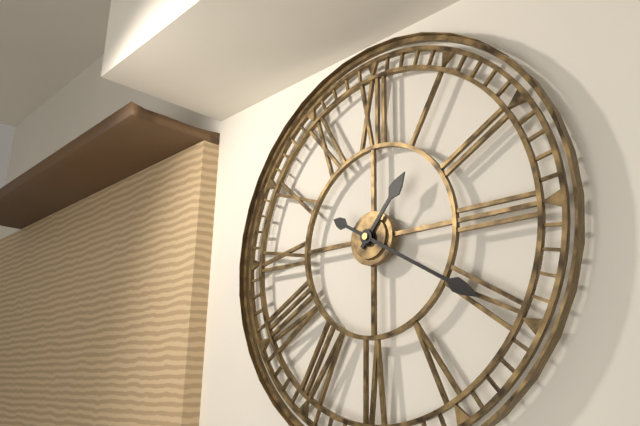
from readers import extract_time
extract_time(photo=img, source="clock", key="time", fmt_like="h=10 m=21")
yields h=1 m=20
